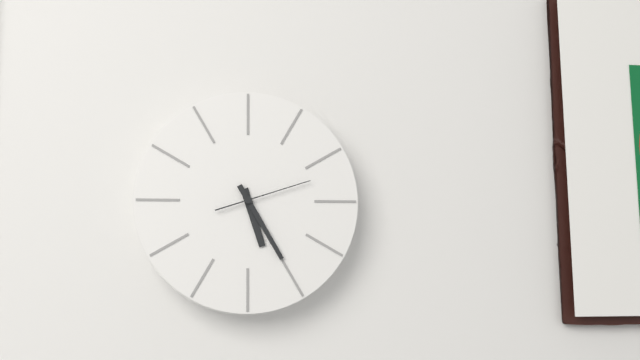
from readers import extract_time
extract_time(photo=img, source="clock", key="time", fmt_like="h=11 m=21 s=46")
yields h=5 m=25 s=12
